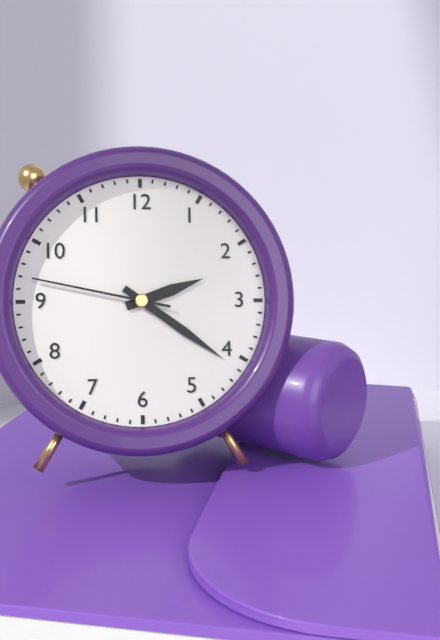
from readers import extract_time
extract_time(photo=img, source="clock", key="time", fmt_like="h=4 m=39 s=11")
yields h=2 m=21 s=47
